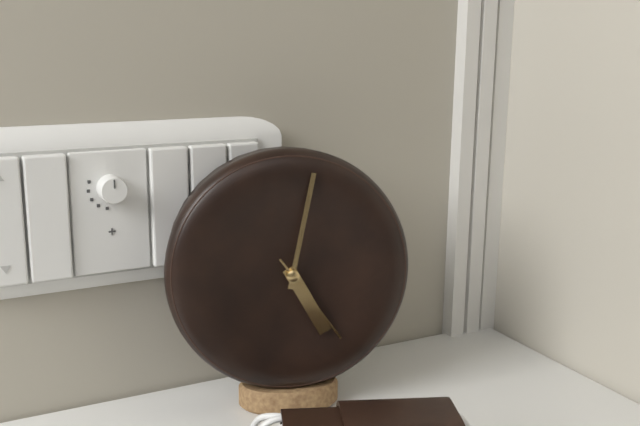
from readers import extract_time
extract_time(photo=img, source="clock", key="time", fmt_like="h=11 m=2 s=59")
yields h=5 m=2 s=24
